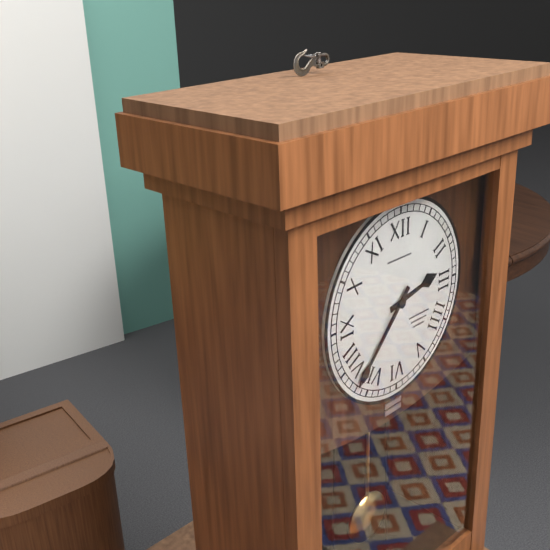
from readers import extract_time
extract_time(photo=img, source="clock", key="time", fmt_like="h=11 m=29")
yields h=2 m=37
